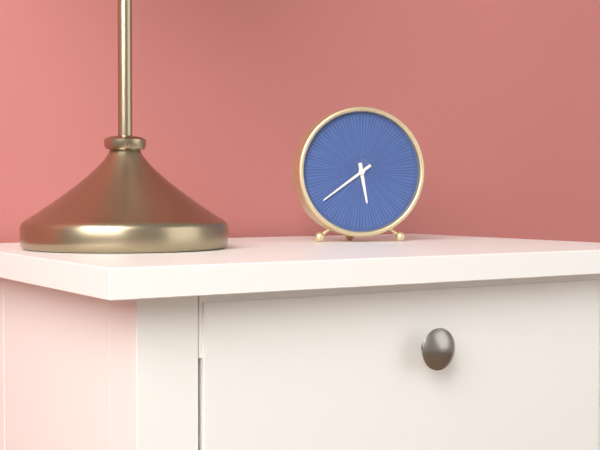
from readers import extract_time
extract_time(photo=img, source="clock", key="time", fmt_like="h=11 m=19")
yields h=5 m=39
